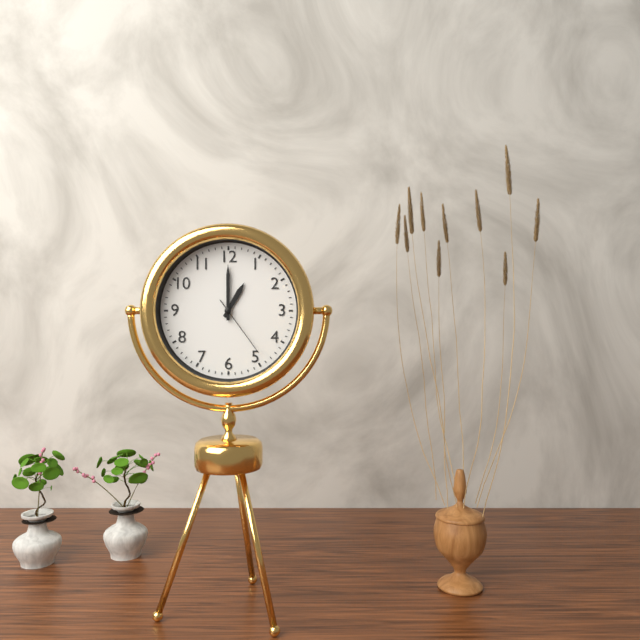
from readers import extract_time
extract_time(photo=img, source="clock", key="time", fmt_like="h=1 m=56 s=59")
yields h=1 m=0 s=24
